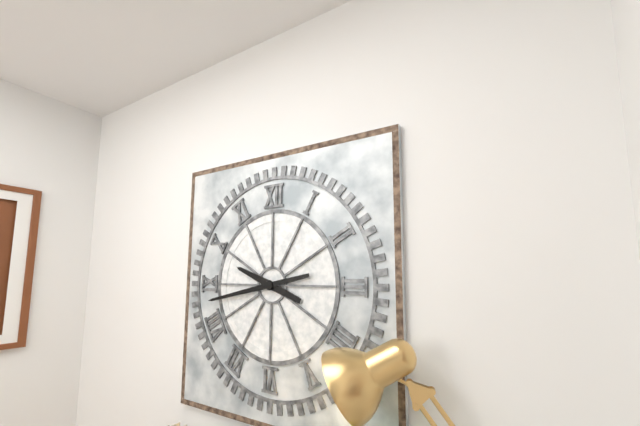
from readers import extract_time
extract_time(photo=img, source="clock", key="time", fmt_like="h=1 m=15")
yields h=9 m=43
